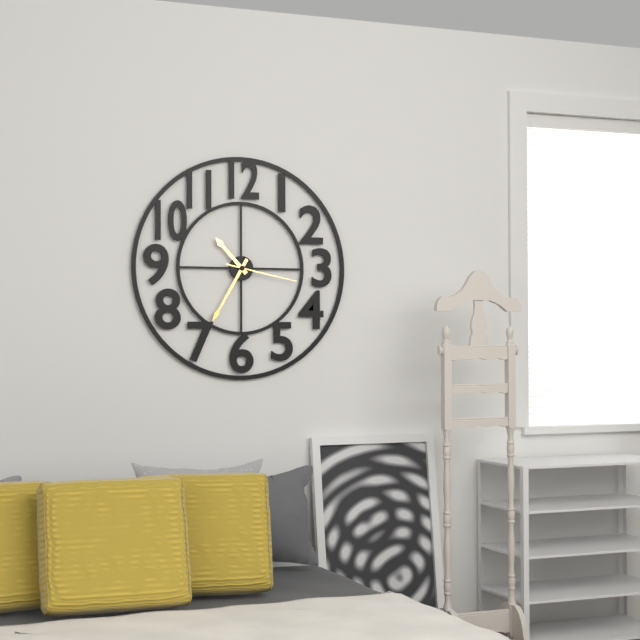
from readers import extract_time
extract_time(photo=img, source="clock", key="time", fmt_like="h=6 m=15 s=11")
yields h=10 m=35 s=17
